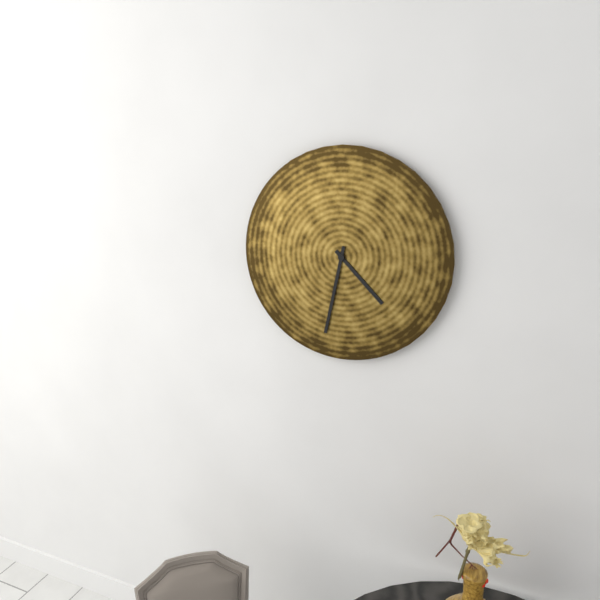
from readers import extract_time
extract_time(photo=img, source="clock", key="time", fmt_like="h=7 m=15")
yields h=4 m=32
